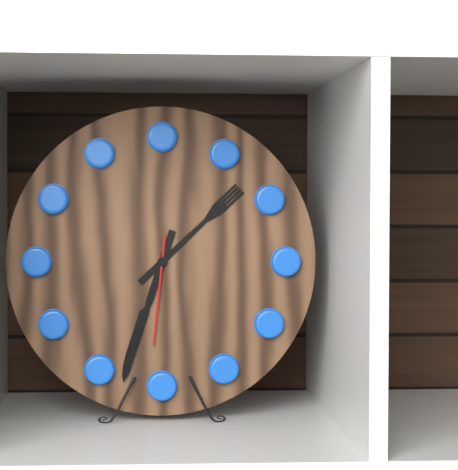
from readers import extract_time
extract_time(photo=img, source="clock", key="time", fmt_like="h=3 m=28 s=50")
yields h=1 m=33 s=31
